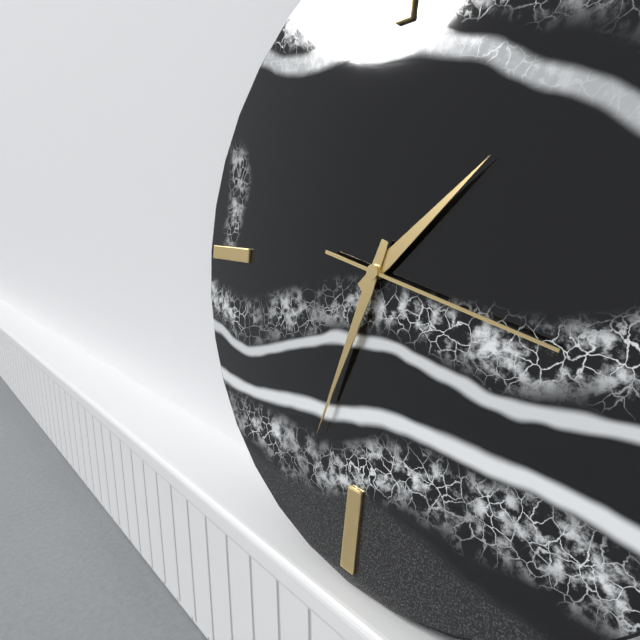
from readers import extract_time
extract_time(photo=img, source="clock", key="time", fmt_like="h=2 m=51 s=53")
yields h=1 m=33 s=17
